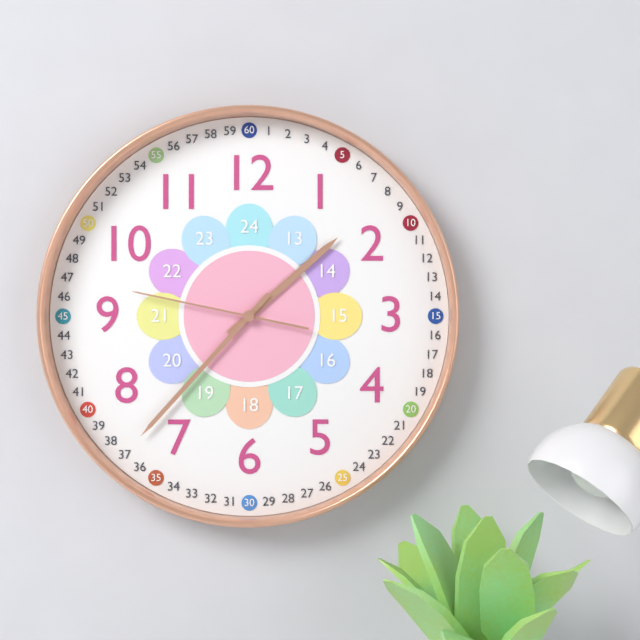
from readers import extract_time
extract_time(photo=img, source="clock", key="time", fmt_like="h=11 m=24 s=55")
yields h=1 m=37 s=47
